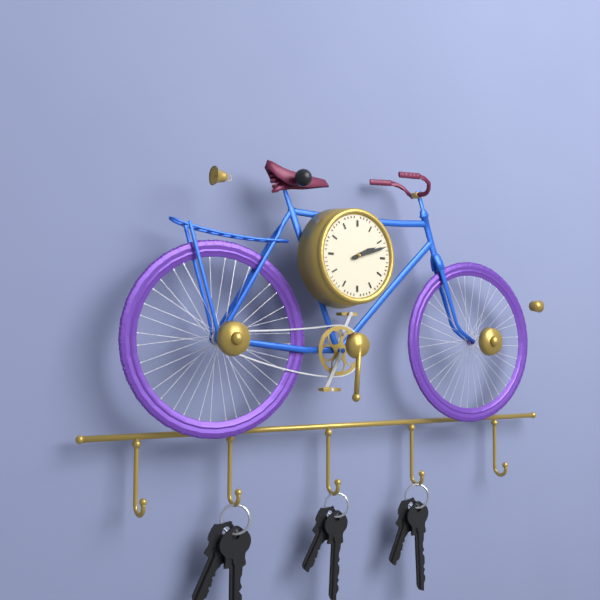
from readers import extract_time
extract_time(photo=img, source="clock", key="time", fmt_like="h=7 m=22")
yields h=2 m=12
